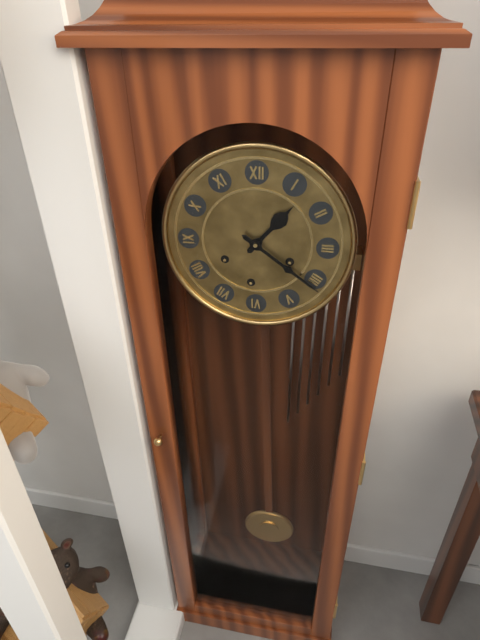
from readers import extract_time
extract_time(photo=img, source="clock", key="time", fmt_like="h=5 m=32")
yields h=1 m=21
